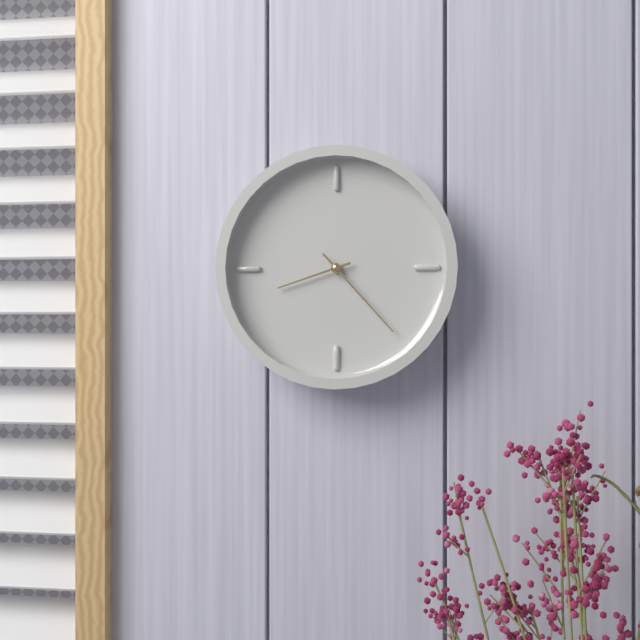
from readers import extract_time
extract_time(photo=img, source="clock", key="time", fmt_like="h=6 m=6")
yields h=8 m=23
